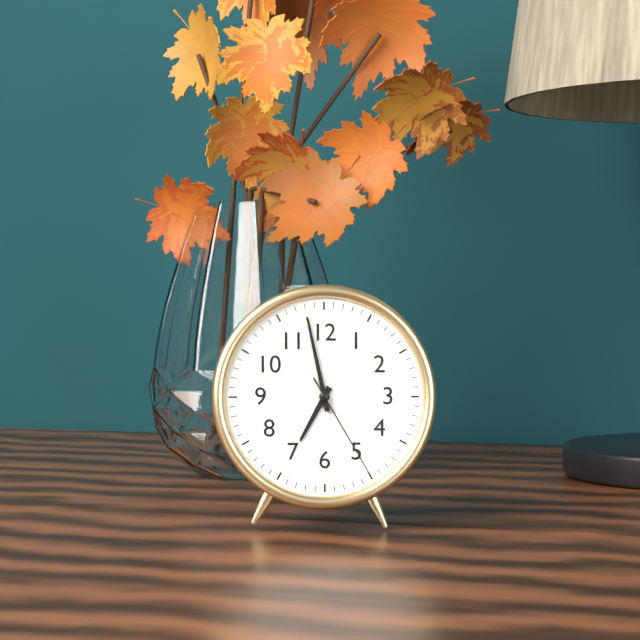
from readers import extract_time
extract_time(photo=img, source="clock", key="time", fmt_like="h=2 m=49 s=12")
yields h=6 m=58 s=25
